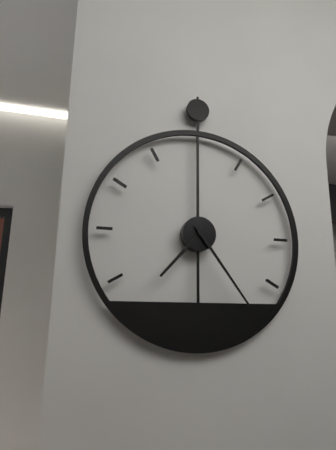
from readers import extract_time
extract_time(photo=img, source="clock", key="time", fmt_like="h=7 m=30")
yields h=7 m=24
